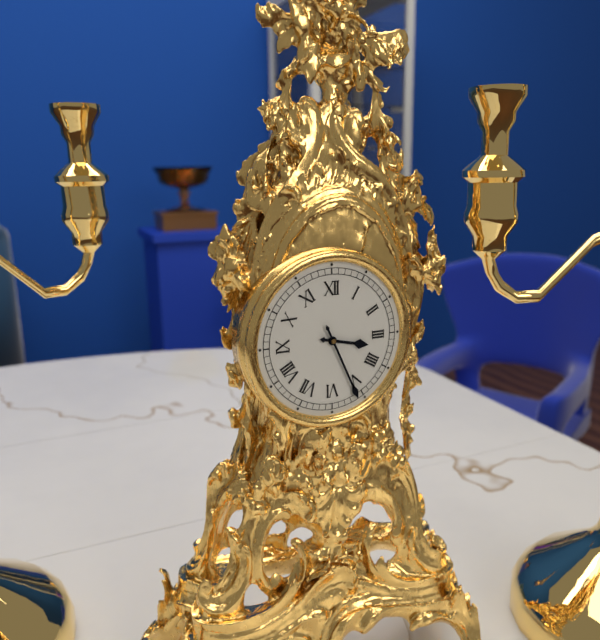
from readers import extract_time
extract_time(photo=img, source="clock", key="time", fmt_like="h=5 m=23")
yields h=3 m=26
